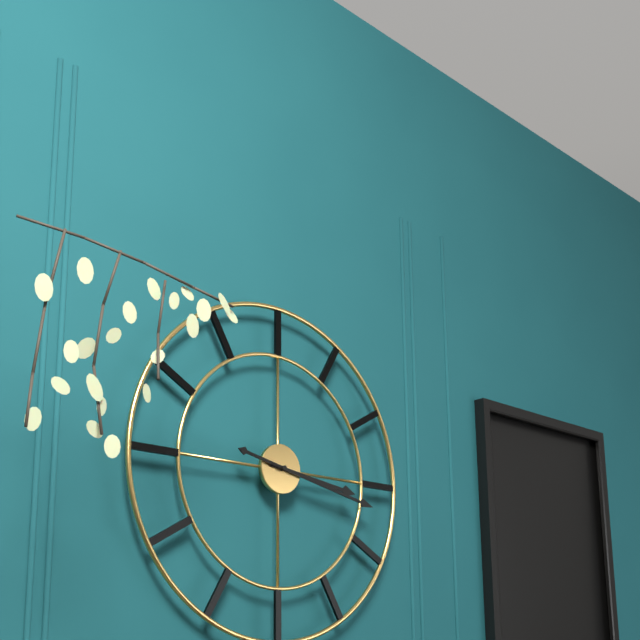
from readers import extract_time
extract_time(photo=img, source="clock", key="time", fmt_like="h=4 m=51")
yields h=3 m=17
